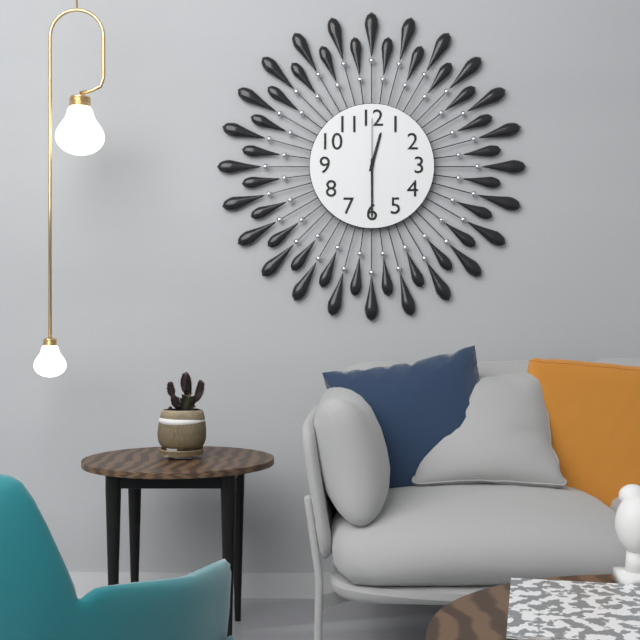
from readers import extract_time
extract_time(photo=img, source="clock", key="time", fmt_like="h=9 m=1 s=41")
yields h=12 m=30 s=0
